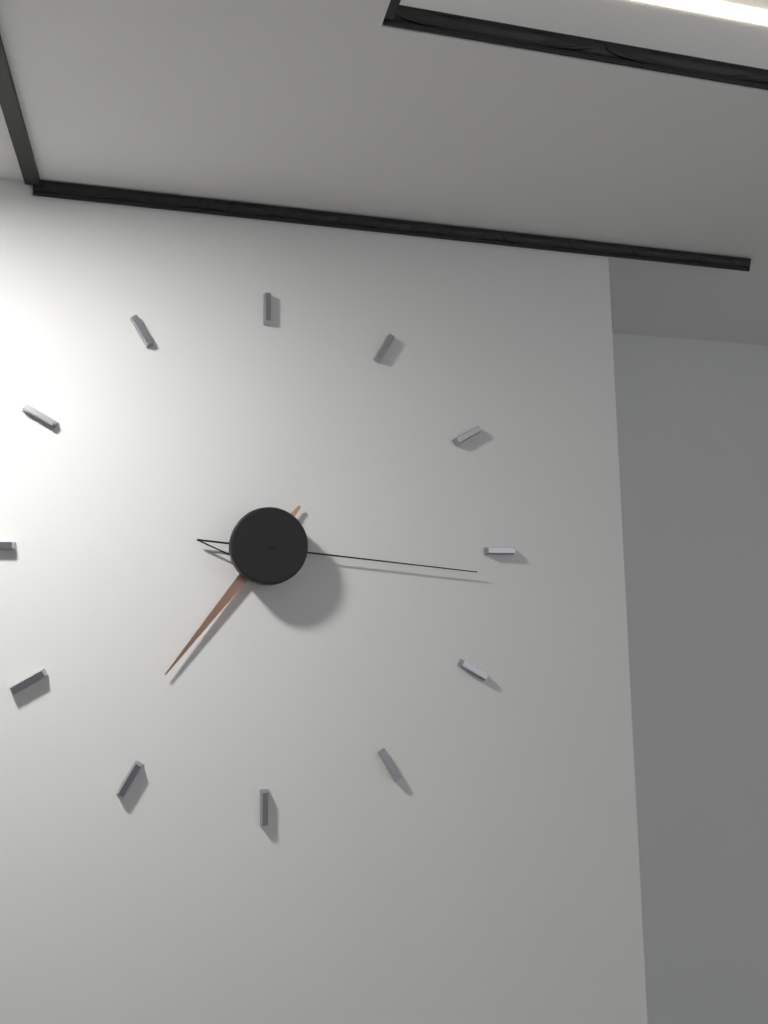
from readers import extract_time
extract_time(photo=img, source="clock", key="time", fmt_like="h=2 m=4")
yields h=7 m=16
